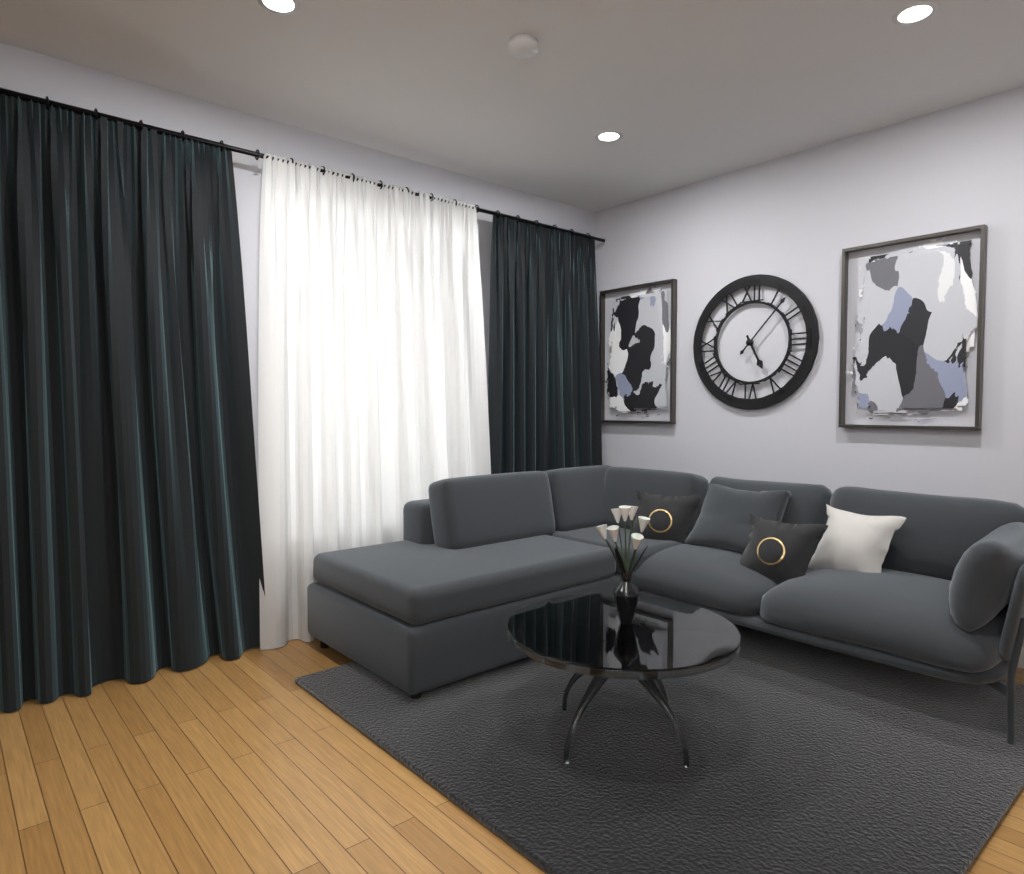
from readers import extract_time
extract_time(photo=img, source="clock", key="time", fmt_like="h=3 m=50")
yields h=5 m=7
